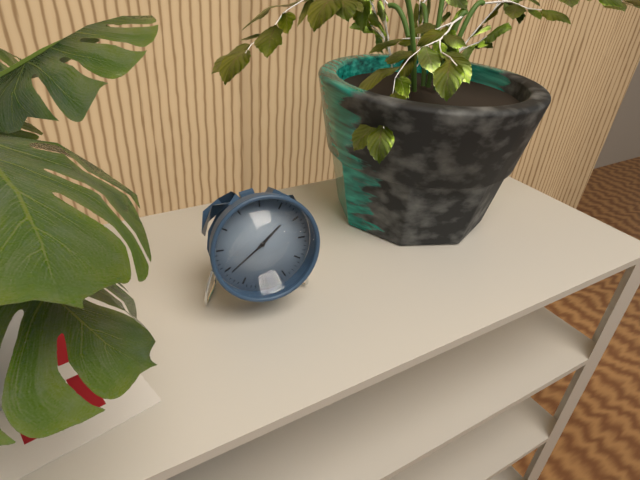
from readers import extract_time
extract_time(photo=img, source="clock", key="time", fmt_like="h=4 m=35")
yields h=1 m=39
